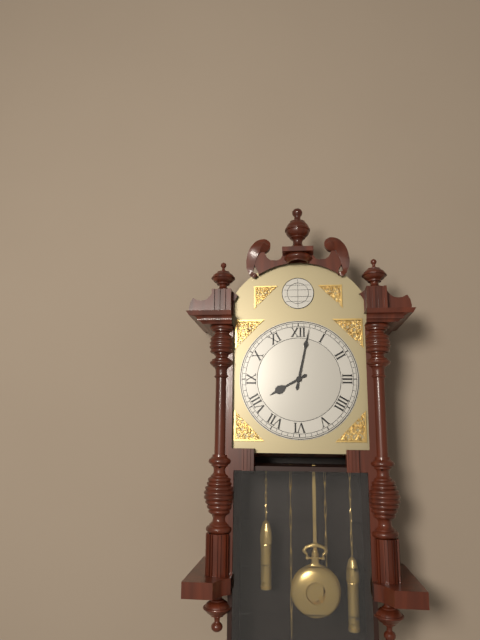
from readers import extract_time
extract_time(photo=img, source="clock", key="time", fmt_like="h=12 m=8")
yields h=8 m=2
